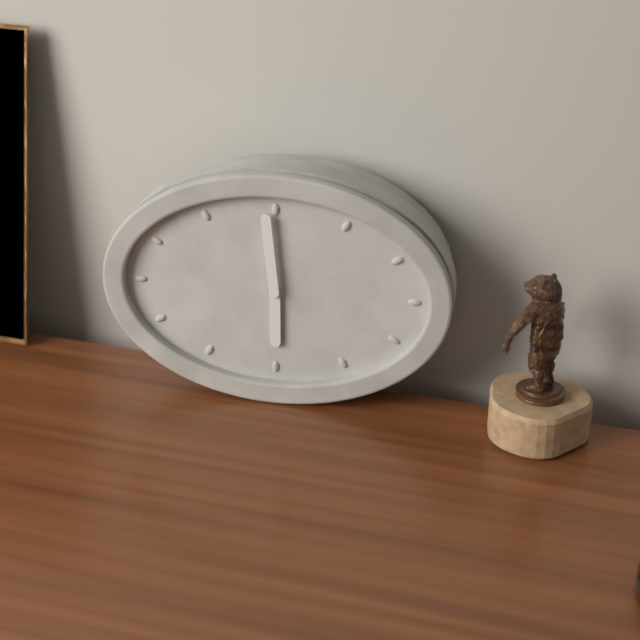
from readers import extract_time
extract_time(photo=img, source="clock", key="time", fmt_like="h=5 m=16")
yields h=5 m=59
